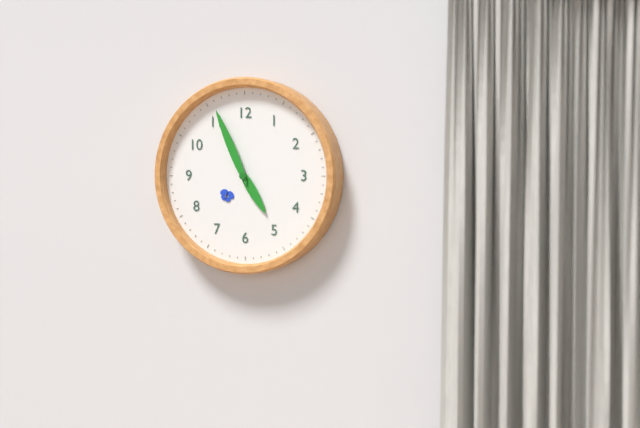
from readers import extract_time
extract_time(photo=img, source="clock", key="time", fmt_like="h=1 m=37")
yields h=4 m=56
